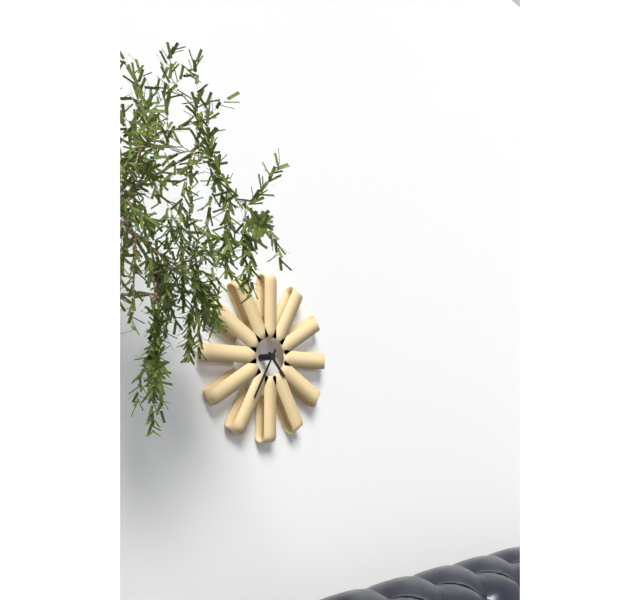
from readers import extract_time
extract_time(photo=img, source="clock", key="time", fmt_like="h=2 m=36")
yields h=4 m=35
